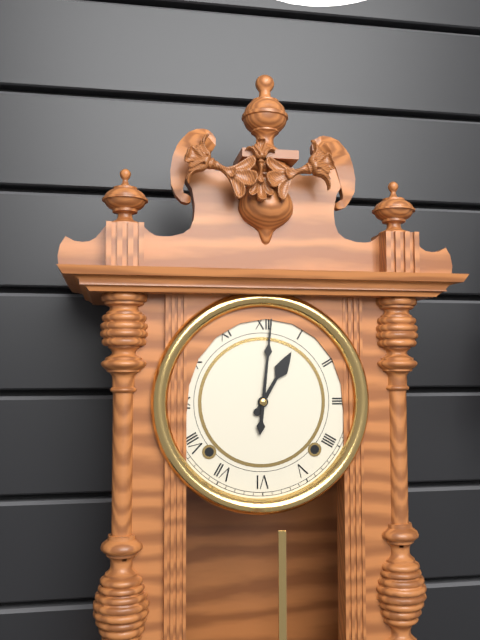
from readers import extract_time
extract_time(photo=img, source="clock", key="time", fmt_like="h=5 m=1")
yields h=1 m=1
